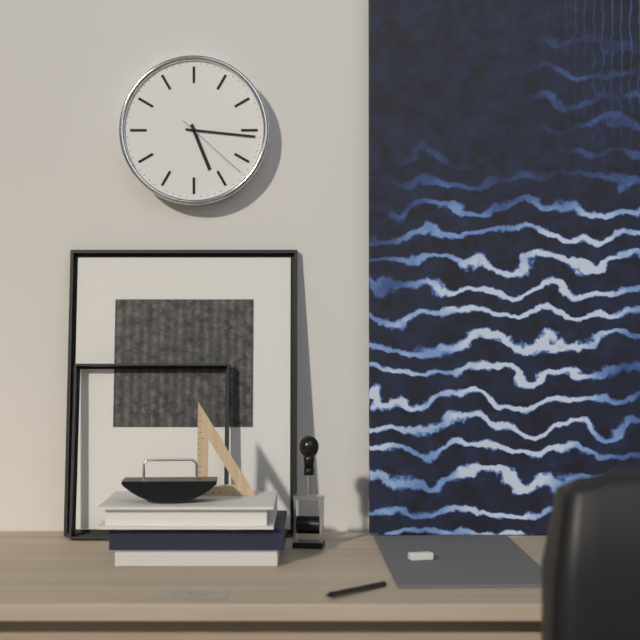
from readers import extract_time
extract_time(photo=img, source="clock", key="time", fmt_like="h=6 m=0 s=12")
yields h=5 m=16 s=22
